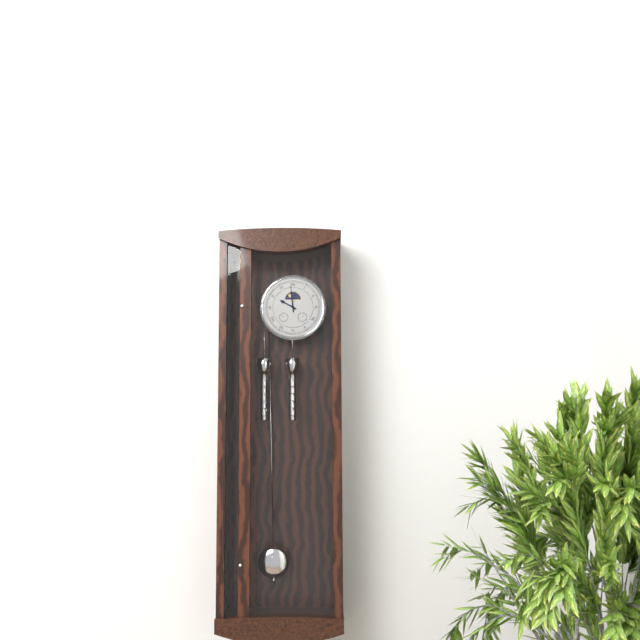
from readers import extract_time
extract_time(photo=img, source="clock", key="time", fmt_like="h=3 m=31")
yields h=9 m=59
